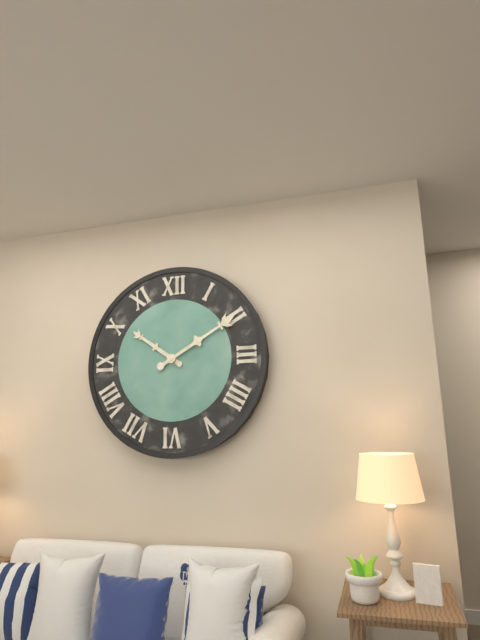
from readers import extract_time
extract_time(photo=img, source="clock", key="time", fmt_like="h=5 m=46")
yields h=10 m=10
